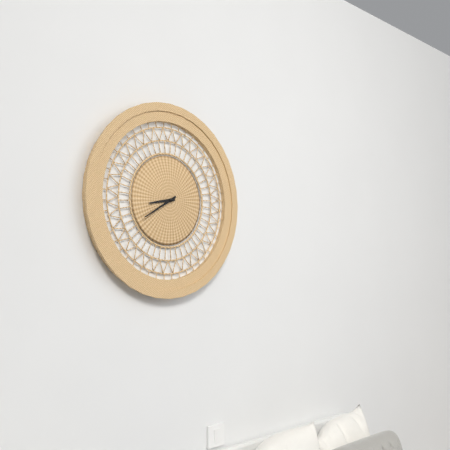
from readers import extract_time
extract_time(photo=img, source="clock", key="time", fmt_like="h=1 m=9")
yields h=8 m=40
